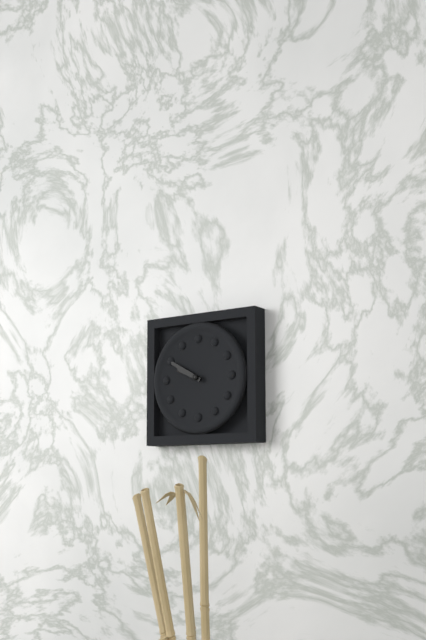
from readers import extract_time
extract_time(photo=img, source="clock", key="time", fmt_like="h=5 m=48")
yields h=9 m=50
